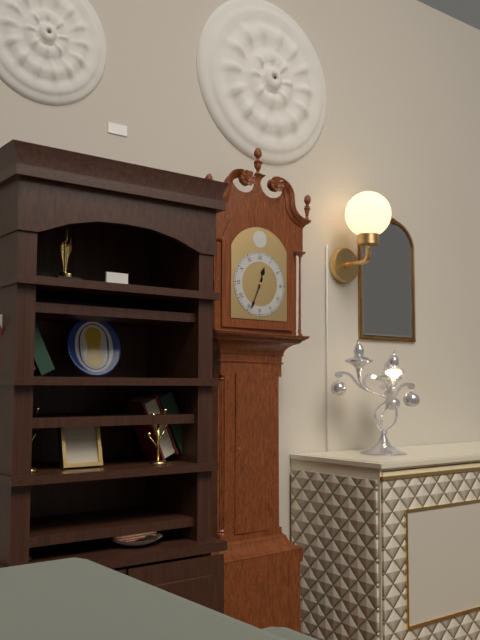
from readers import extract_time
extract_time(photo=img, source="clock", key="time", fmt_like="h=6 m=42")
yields h=12 m=34
